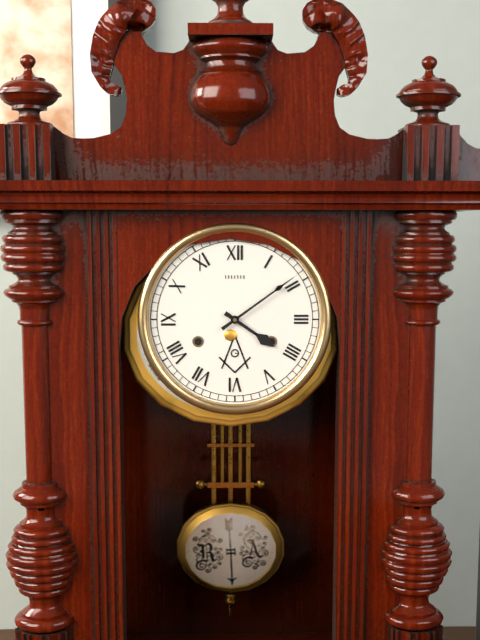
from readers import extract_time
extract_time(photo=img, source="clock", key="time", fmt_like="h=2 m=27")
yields h=4 m=9
